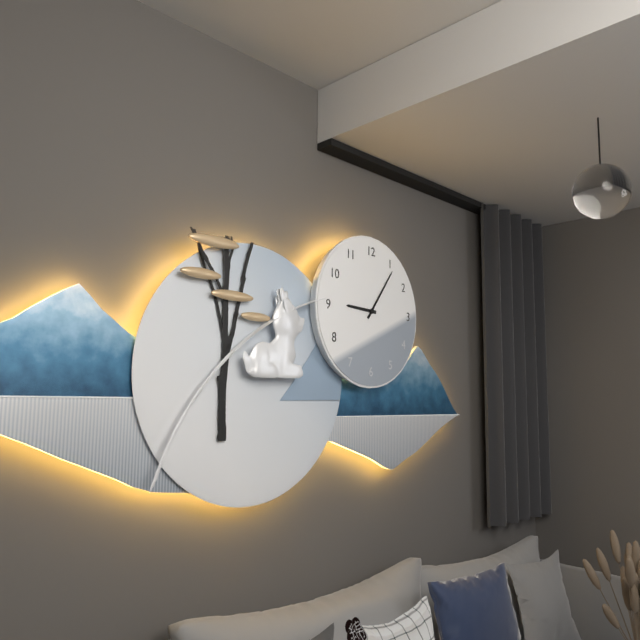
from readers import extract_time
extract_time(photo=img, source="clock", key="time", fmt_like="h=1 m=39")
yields h=9 m=6
